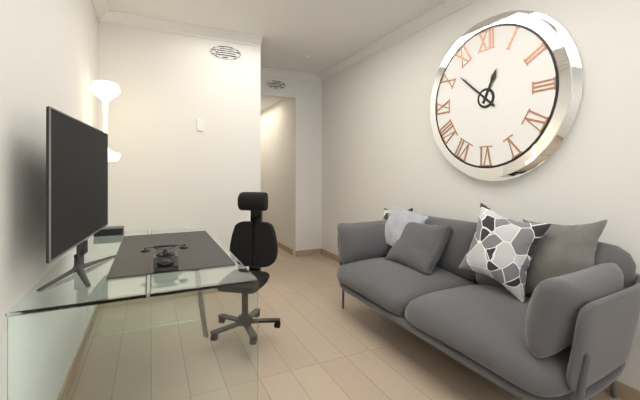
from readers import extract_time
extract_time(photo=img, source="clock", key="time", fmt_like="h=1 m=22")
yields h=12 m=52
